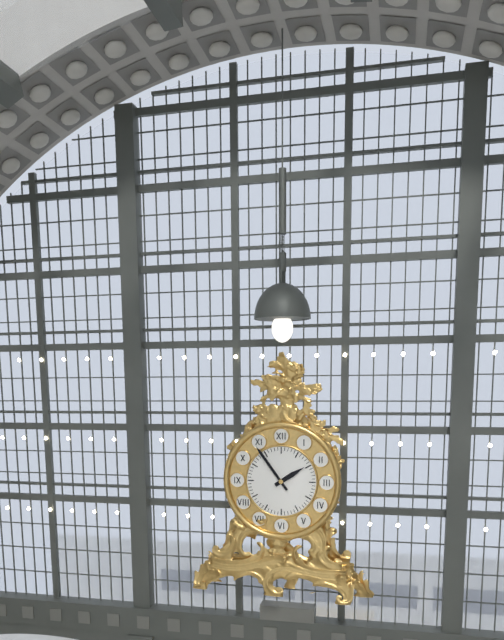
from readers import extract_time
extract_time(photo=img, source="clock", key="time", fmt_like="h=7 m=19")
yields h=1 m=54
